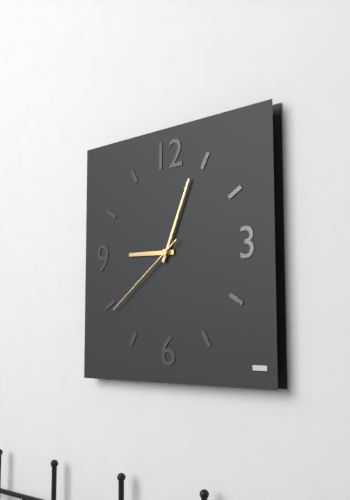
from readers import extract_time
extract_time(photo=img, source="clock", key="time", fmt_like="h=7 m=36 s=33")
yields h=9 m=4 s=39
